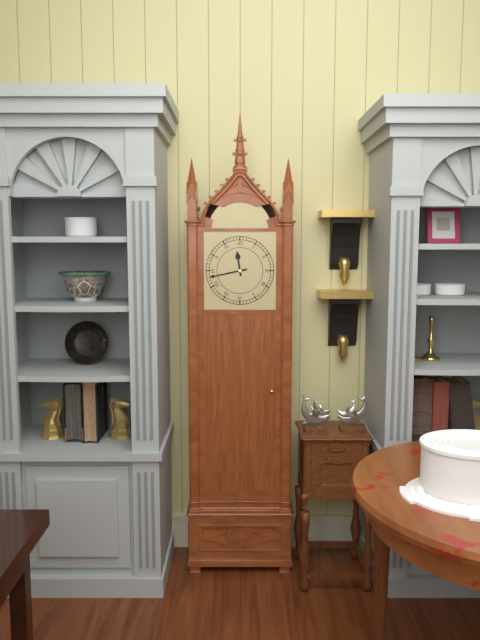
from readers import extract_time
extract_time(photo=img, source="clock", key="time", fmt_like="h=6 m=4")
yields h=11 m=43
